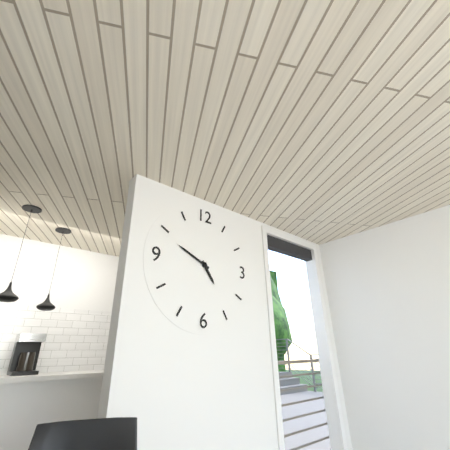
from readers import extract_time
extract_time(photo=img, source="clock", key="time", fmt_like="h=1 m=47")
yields h=4 m=49
